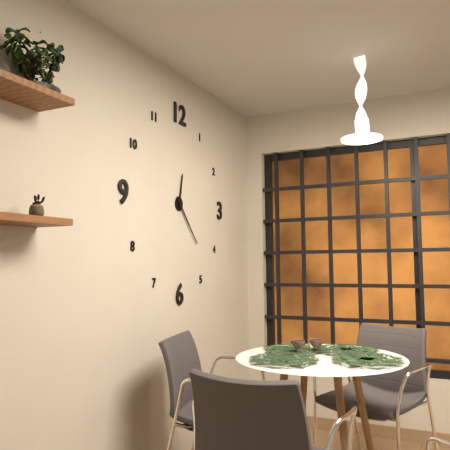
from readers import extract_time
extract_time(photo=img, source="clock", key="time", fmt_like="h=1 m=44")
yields h=12 m=23
